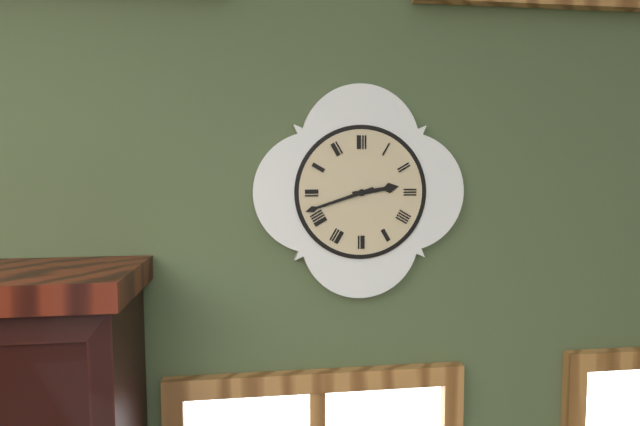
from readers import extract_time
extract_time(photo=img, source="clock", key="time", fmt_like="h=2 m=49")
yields h=2 m=42
